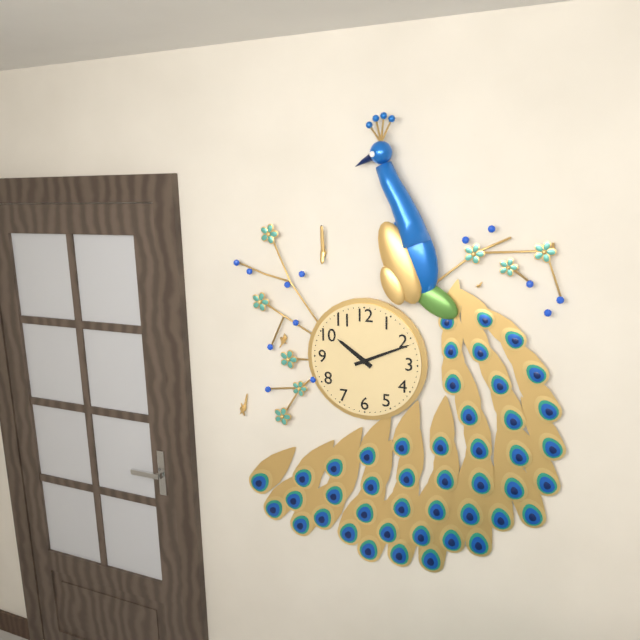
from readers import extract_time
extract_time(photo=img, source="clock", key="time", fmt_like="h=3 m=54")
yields h=10 m=11
